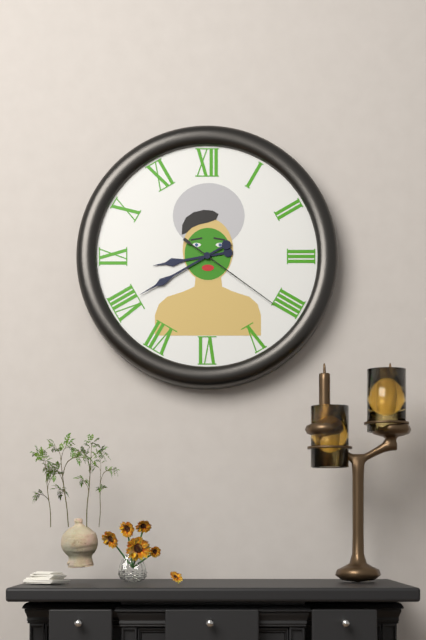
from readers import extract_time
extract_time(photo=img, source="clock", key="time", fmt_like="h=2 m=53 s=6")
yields h=8 m=40 s=21
